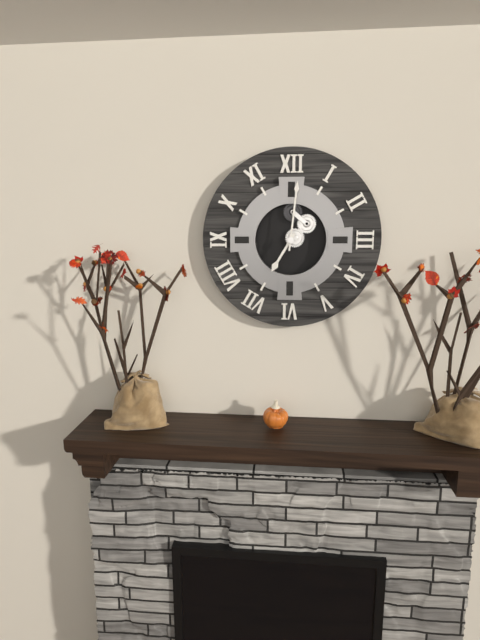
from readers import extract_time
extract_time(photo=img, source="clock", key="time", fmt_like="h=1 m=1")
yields h=7 m=1
